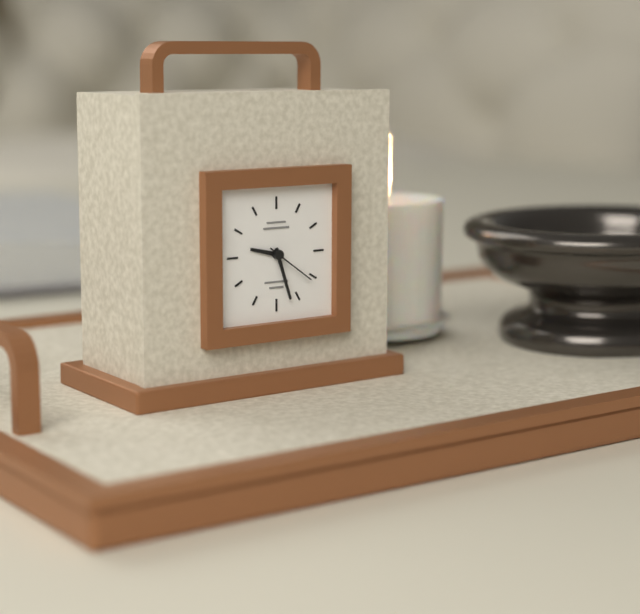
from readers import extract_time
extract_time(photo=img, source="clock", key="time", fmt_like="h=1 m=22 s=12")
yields h=9 m=27 s=21
